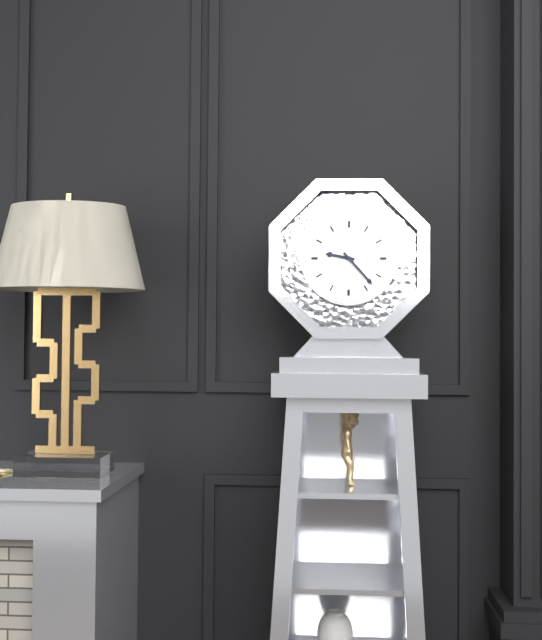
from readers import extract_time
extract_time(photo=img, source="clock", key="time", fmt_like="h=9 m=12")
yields h=9 m=23
